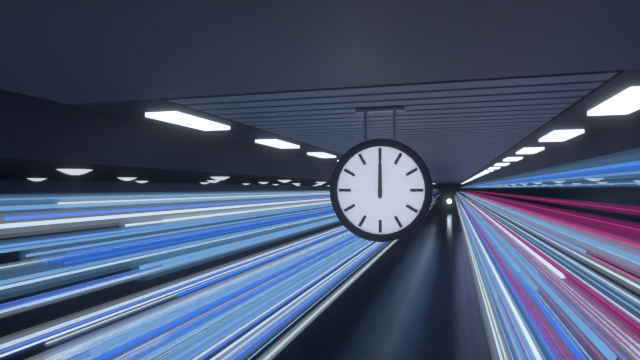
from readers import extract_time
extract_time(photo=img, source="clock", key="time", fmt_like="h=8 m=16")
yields h=12 m=0
